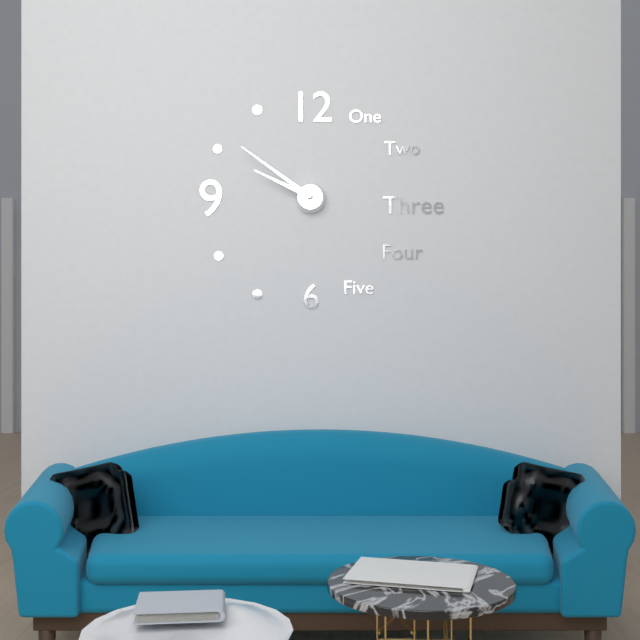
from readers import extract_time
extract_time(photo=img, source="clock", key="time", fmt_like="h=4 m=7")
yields h=9 m=51
